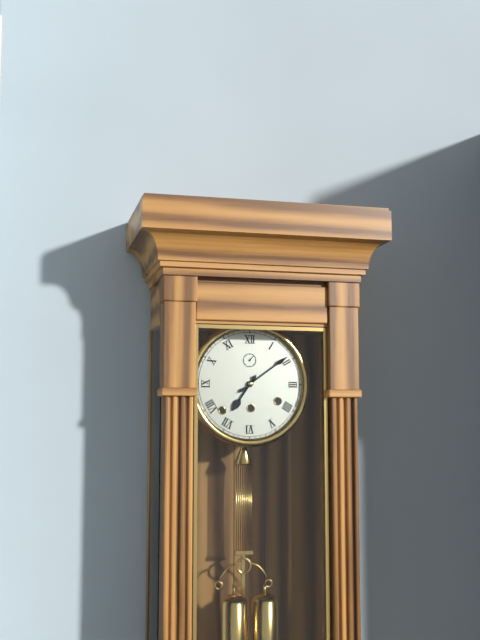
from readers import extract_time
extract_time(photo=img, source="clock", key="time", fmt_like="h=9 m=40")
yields h=7 m=9
